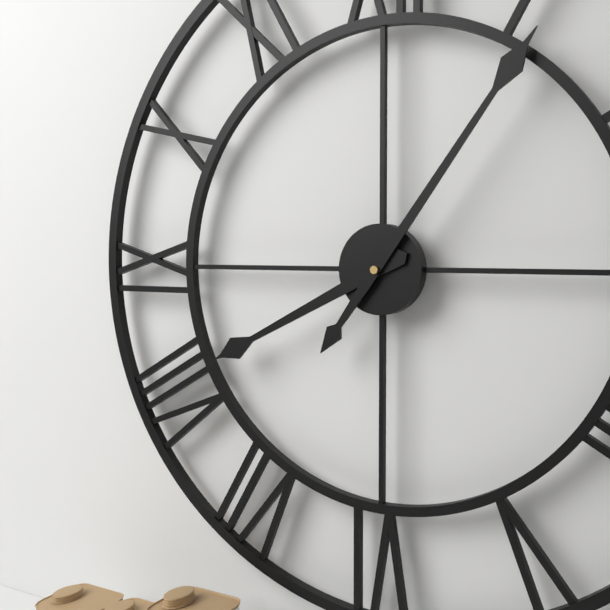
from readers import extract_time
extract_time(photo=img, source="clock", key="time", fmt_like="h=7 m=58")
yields h=8 m=6
